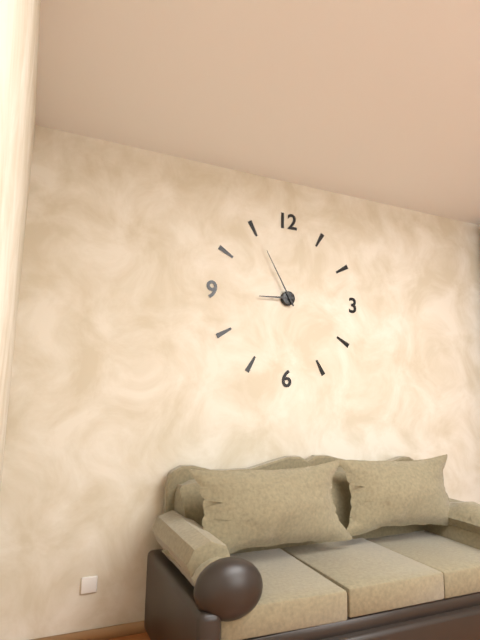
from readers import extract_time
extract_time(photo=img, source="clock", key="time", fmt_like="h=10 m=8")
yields h=8 m=55
